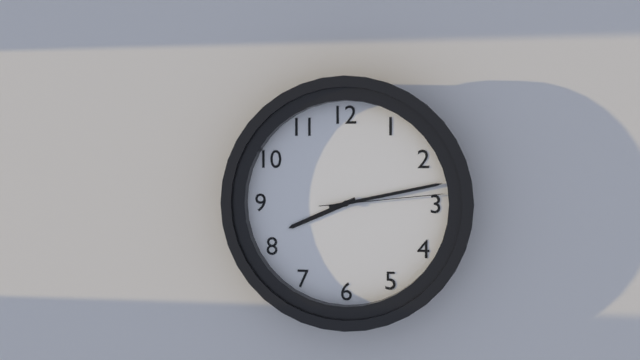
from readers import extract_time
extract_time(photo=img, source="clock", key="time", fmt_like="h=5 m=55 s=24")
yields h=8 m=13 s=14
